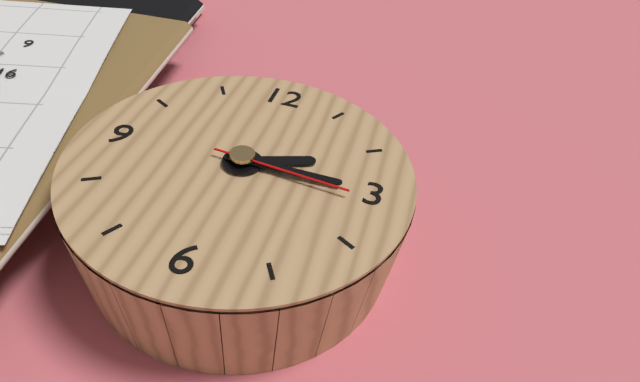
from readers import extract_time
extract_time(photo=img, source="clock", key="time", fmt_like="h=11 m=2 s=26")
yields h=2 m=15 s=16
